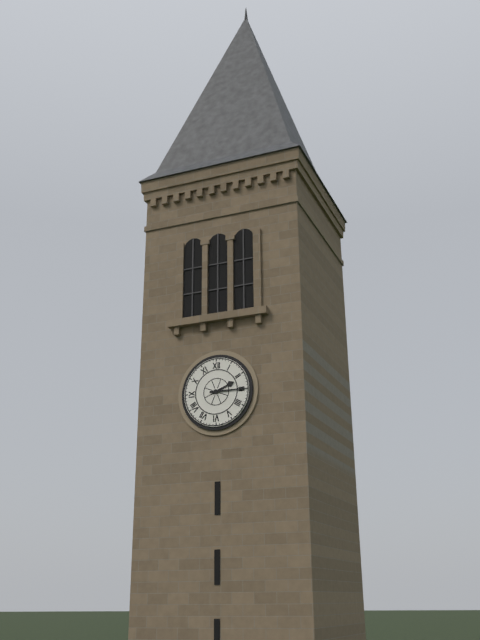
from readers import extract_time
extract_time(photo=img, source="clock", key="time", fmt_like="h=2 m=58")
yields h=2 m=15
